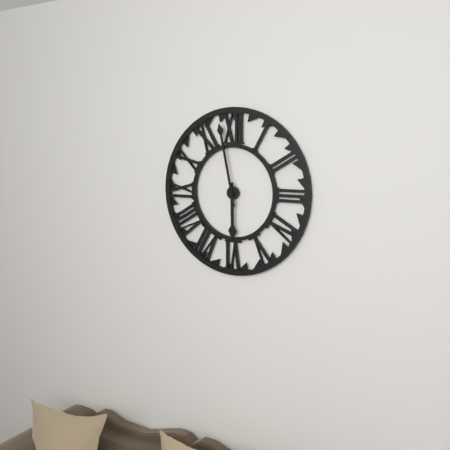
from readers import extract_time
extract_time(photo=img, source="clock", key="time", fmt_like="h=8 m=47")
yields h=5 m=58
